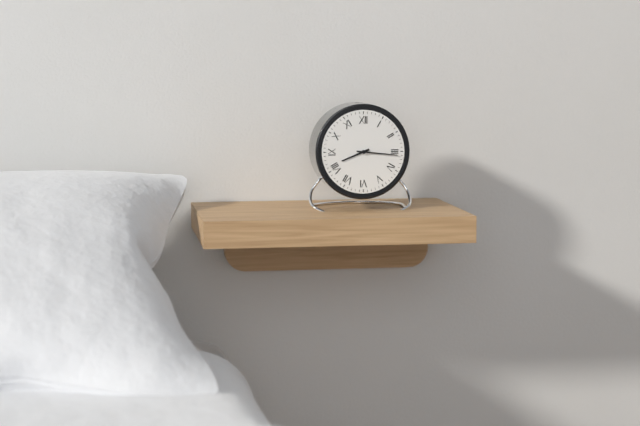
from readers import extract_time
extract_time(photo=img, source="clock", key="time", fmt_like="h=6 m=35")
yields h=8 m=16
